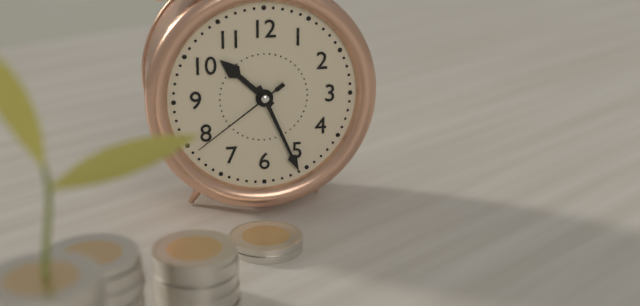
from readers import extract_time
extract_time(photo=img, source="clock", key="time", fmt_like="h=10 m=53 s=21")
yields h=10 m=26 s=39
